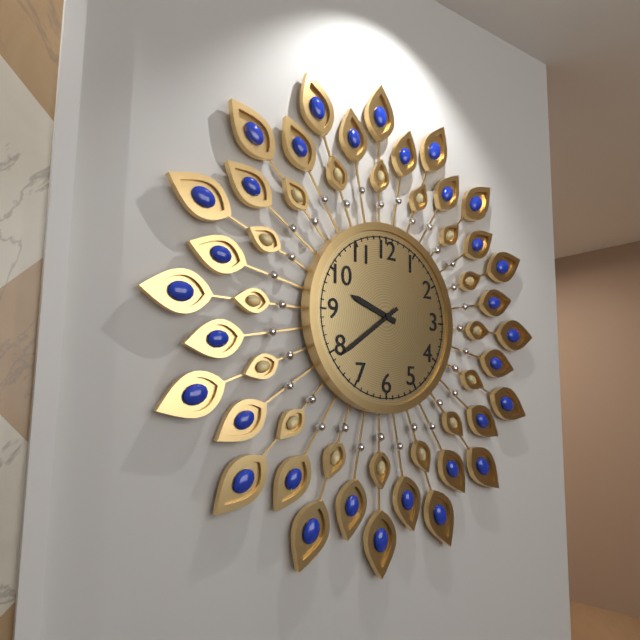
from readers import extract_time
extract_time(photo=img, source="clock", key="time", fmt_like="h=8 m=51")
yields h=9 m=39
